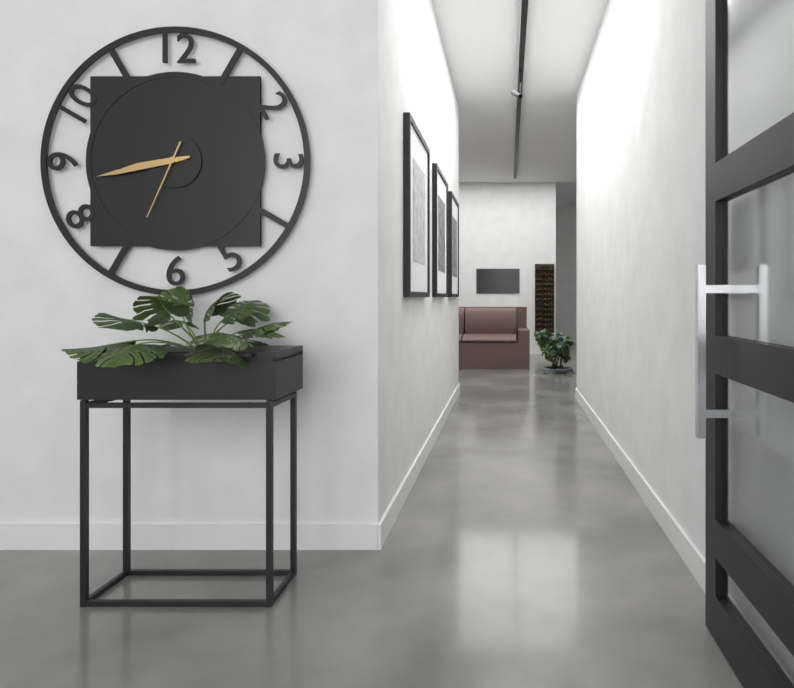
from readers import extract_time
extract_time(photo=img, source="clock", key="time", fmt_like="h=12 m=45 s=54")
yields h=8 m=43 s=34
